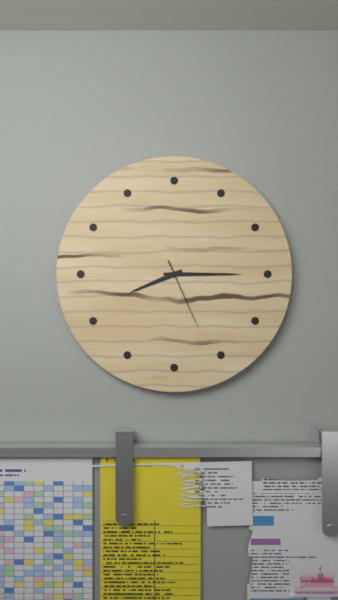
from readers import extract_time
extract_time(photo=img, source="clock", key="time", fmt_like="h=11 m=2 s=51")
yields h=8 m=15 s=26
